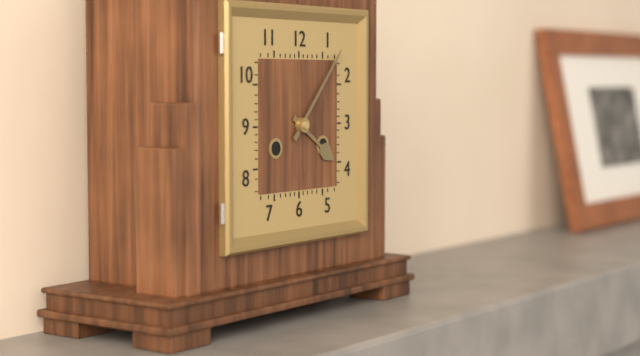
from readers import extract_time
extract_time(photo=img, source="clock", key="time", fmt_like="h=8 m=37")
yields h=4 m=7
